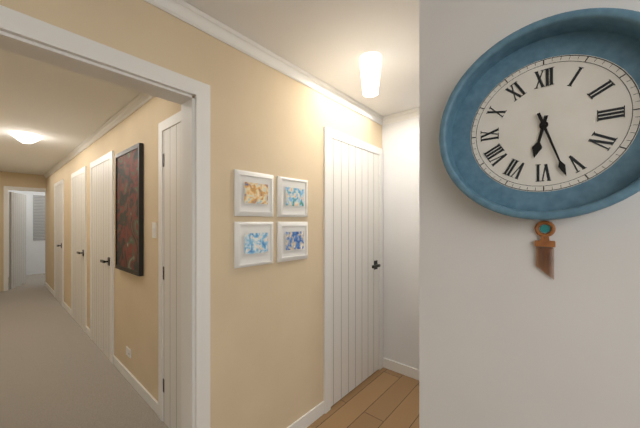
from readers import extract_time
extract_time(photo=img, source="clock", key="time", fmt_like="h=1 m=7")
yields h=6 m=27
